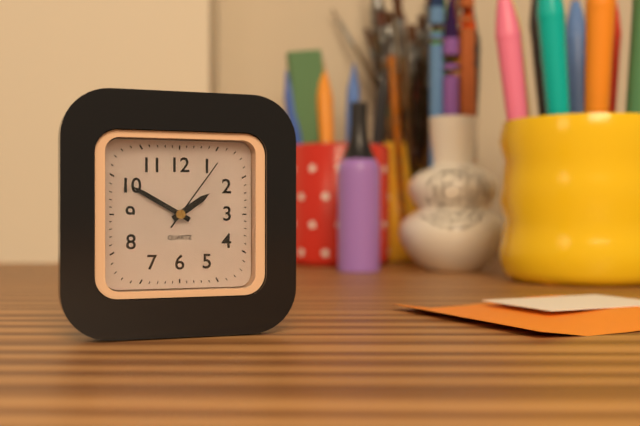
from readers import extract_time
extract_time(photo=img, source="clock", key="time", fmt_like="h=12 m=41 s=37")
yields h=1 m=50 s=6
